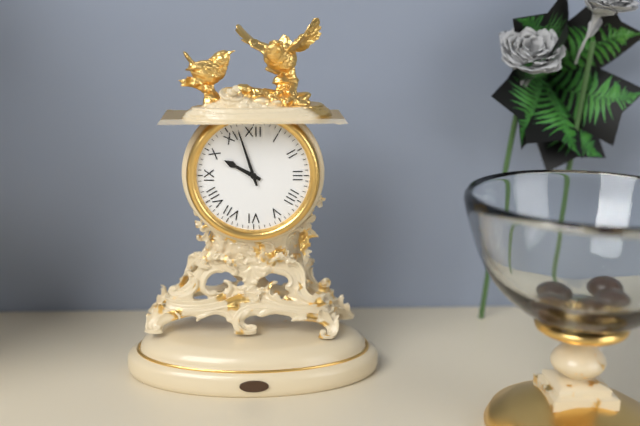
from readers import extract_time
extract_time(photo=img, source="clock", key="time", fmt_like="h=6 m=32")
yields h=9 m=57
